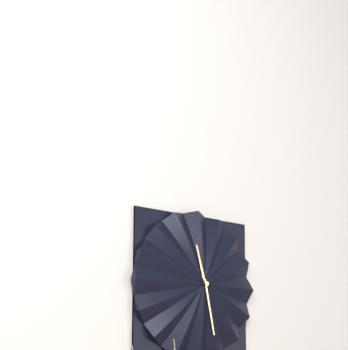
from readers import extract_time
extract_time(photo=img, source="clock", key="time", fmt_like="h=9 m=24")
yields h=11 m=28
